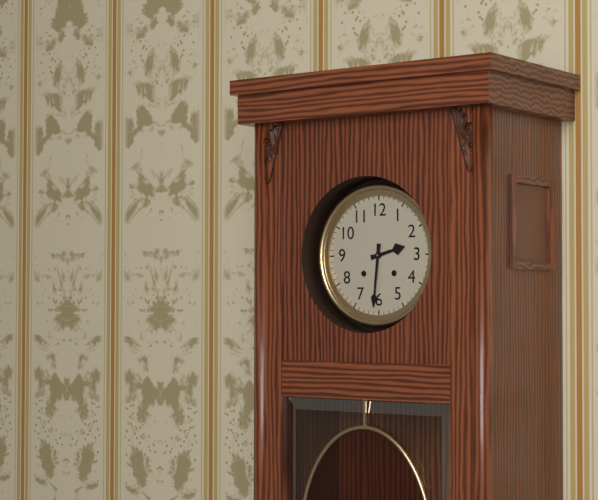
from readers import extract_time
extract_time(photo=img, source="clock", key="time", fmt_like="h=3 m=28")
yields h=2 m=31
